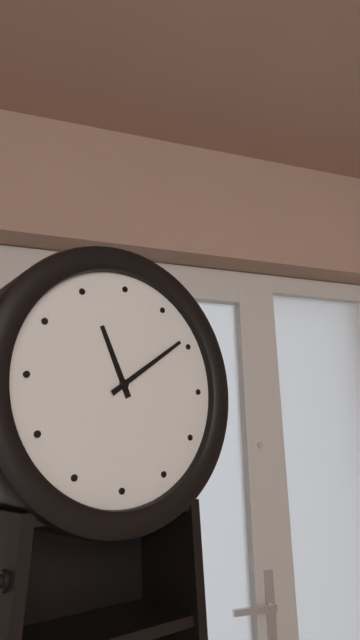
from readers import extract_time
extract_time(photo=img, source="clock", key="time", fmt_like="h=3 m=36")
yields h=11 m=9
